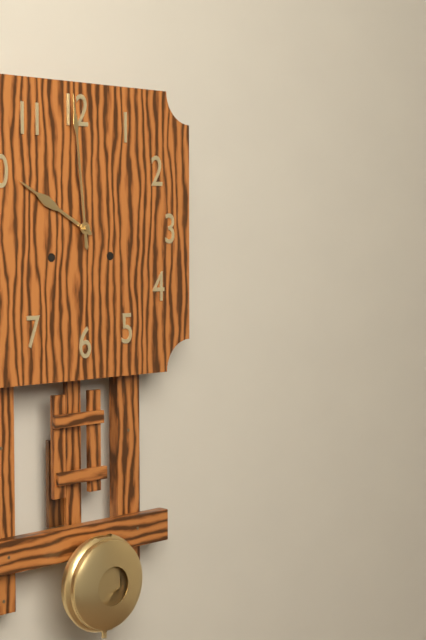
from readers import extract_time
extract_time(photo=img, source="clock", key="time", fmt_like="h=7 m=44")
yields h=9 m=59
